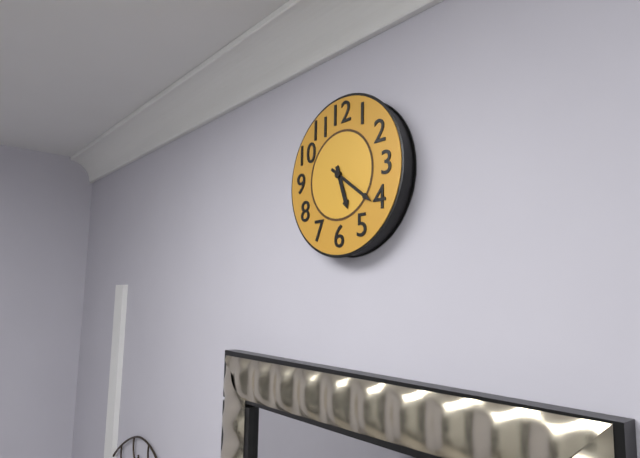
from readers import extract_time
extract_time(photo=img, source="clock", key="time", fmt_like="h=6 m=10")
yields h=5 m=21
